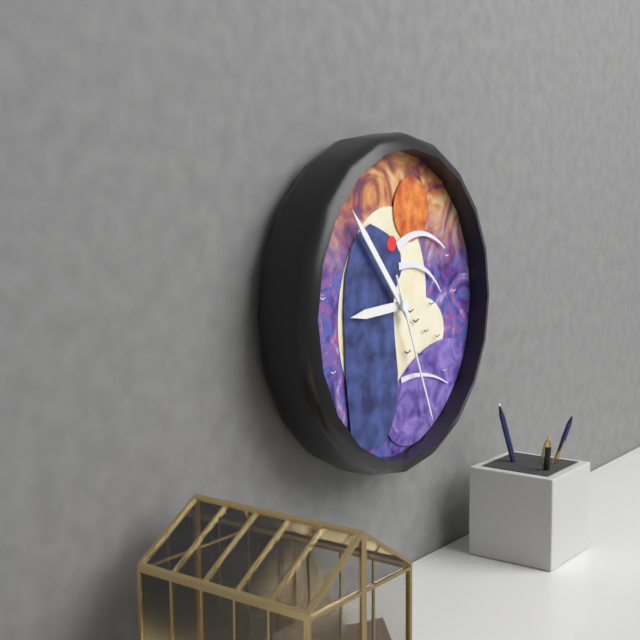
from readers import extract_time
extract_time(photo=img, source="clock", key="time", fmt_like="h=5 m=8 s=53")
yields h=8 m=53 s=26
